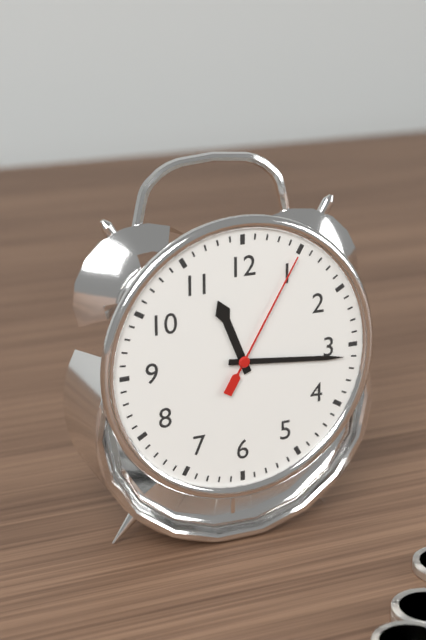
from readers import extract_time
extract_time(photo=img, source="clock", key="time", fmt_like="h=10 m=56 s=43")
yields h=11 m=16 s=5
